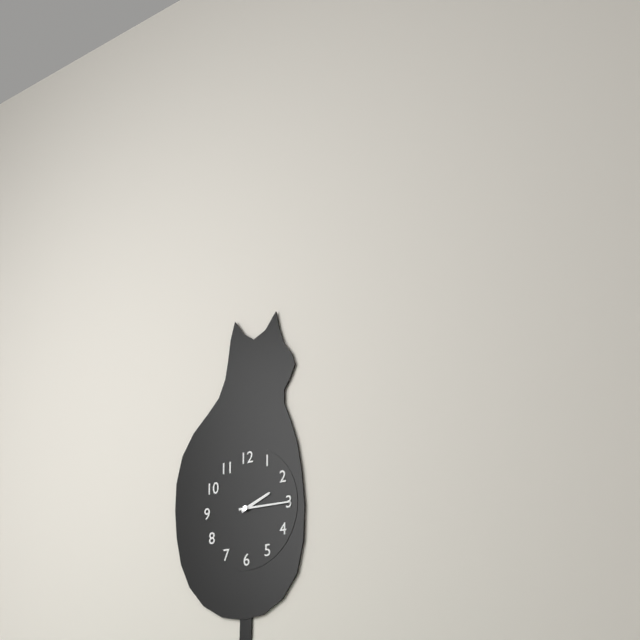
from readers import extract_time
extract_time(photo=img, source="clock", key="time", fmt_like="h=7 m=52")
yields h=2 m=15
